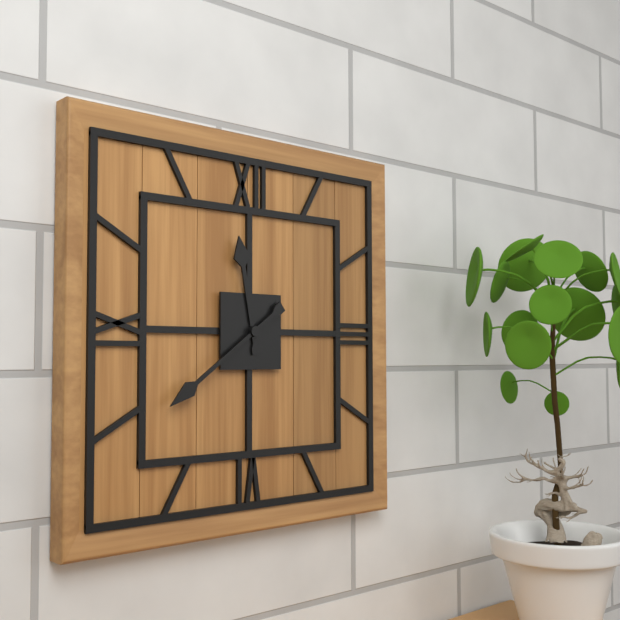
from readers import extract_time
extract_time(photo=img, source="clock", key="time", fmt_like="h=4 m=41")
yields h=11 m=39
